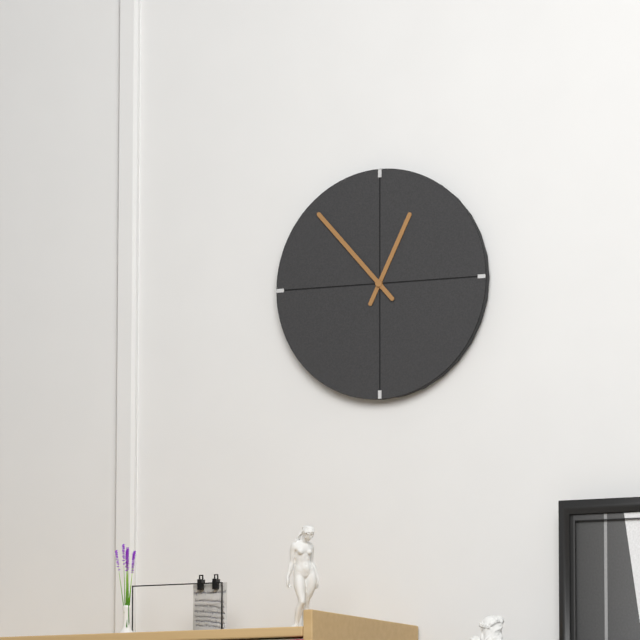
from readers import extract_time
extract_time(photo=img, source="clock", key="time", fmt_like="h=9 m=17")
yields h=12 m=53
